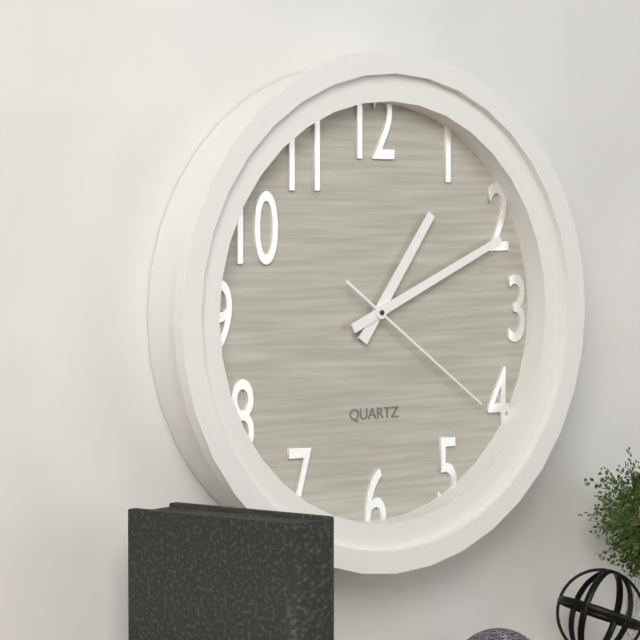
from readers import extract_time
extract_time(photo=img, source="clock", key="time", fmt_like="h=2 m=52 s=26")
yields h=1 m=11 s=21
